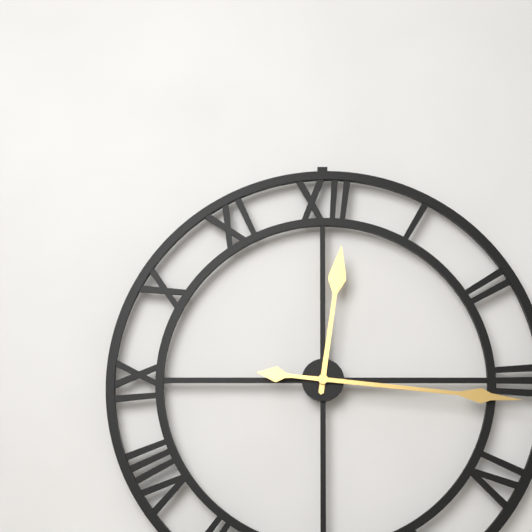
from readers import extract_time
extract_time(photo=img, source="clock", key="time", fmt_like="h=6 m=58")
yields h=12 m=16
